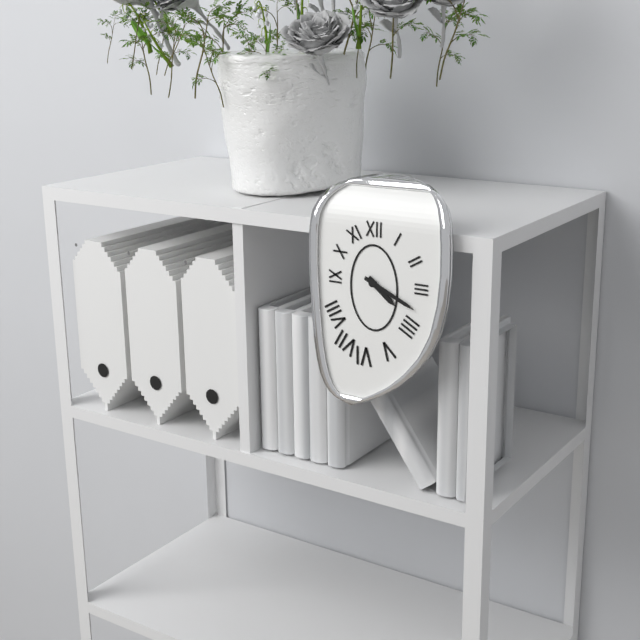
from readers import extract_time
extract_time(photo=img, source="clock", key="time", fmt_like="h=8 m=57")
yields h=4 m=19
